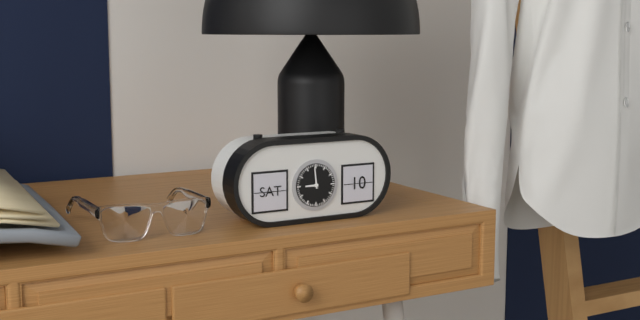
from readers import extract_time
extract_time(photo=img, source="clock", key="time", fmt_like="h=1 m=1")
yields h=8 m=59
